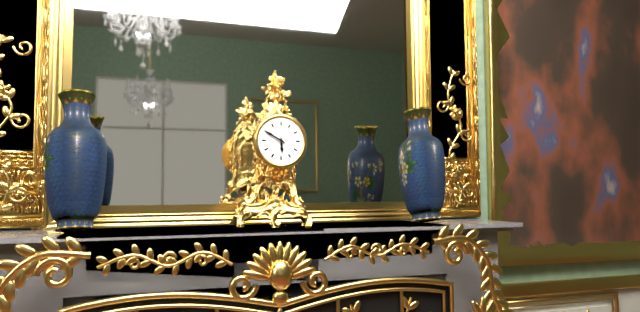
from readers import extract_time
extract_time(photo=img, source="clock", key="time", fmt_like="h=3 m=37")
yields h=5 m=50
